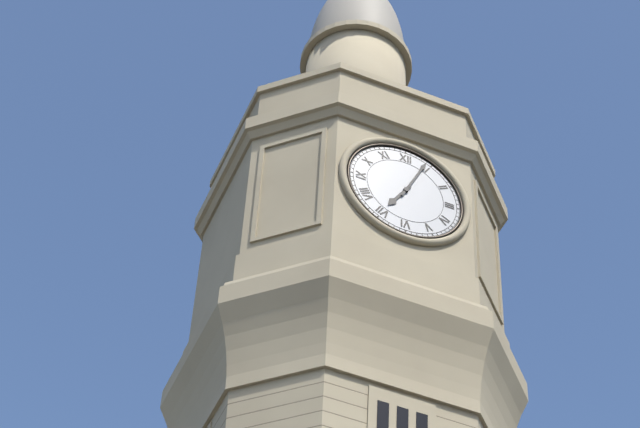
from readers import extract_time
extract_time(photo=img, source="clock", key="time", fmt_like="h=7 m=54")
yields h=7 m=4
